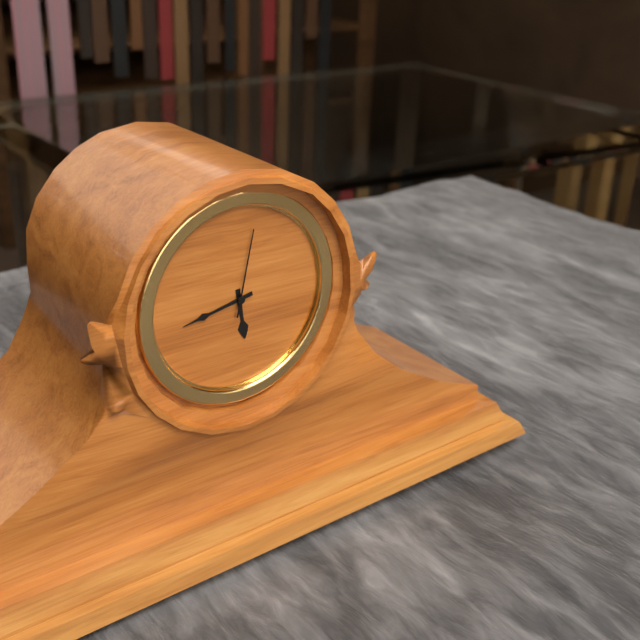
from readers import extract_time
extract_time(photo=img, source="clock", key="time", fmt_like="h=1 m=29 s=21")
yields h=5 m=43 s=2
